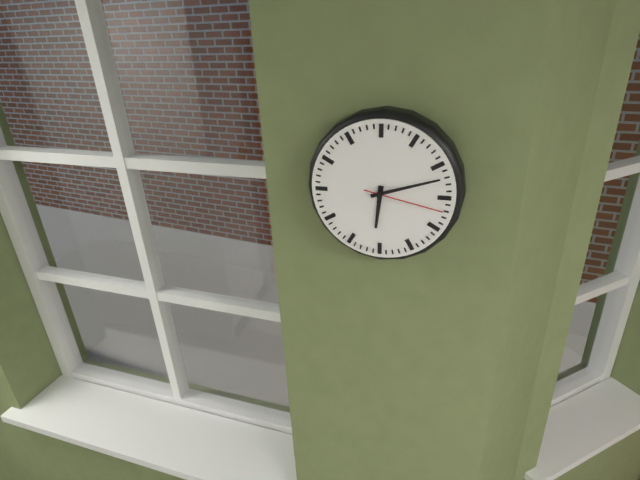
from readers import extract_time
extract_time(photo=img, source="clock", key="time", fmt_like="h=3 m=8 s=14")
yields h=6 m=12 s=17
